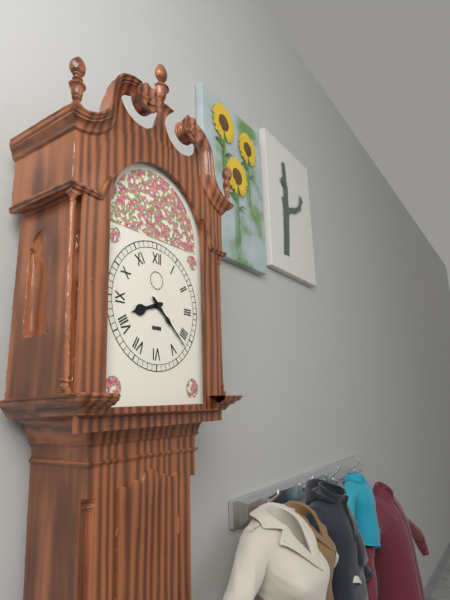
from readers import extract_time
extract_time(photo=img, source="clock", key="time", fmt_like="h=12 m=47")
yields h=8 m=22
